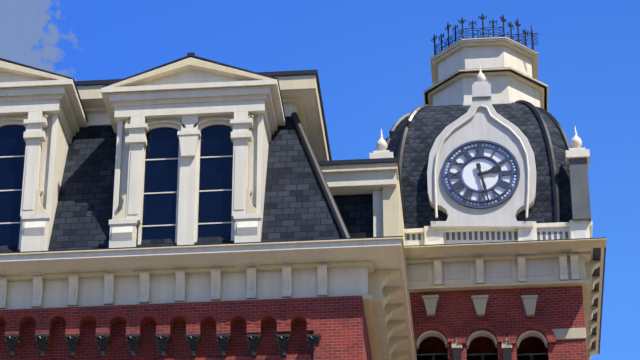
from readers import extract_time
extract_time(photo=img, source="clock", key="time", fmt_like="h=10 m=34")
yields h=2 m=28
